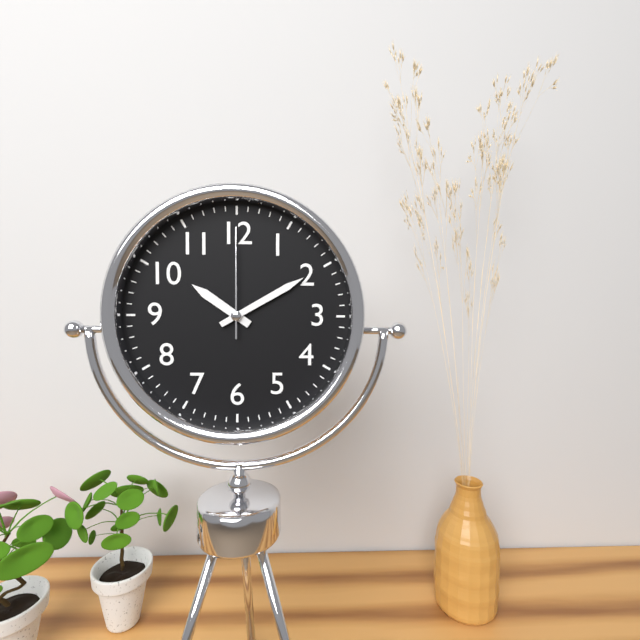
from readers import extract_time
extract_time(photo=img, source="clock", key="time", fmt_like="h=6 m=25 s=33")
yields h=10 m=10 s=0
